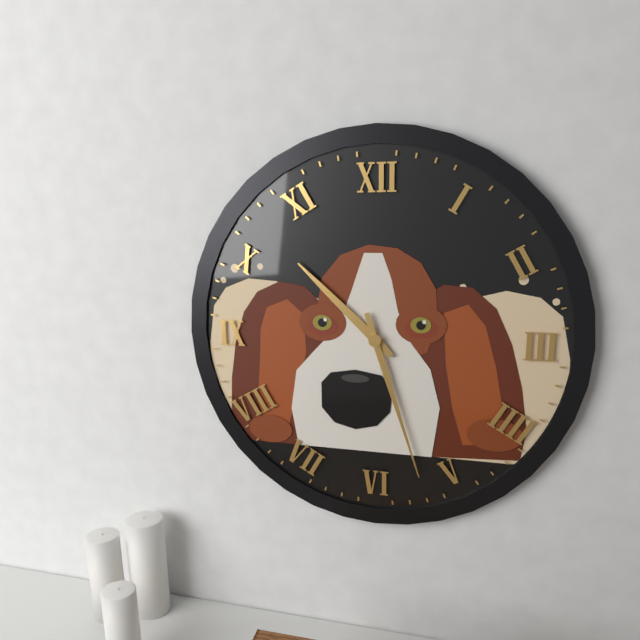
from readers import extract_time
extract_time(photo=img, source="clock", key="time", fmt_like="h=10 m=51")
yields h=10 m=27
